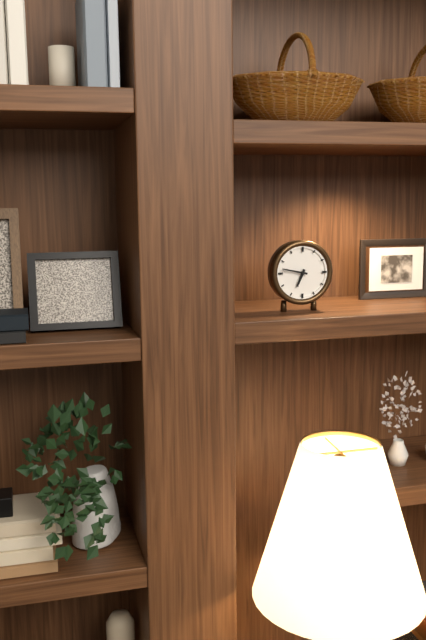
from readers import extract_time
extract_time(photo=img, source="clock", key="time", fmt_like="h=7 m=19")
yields h=6 m=47
